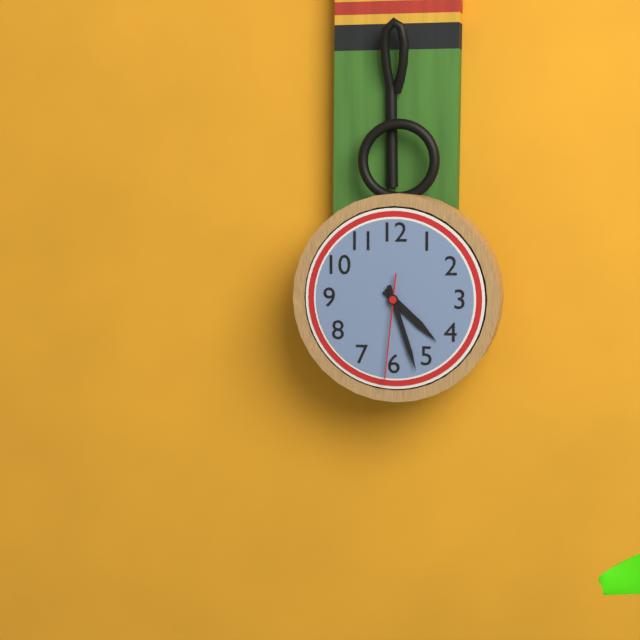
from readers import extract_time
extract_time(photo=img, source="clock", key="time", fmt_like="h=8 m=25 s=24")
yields h=4 m=27 s=31
